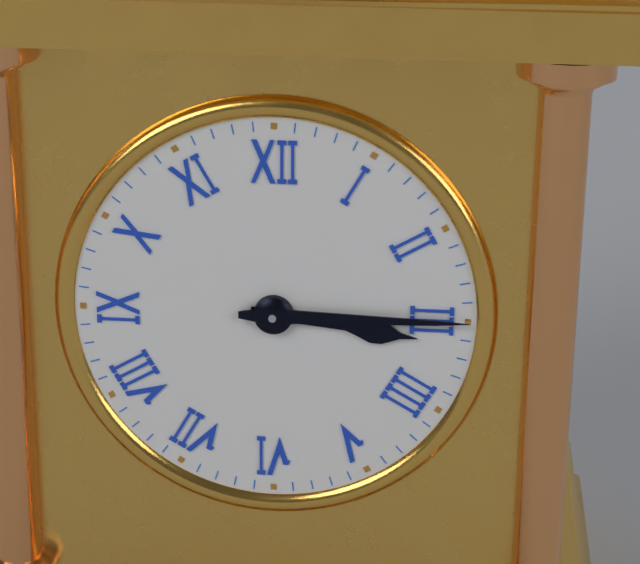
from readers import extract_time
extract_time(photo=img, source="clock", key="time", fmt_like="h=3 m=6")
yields h=3 m=15
